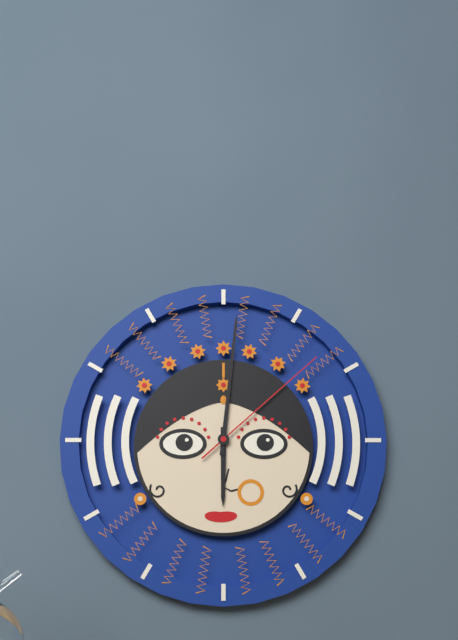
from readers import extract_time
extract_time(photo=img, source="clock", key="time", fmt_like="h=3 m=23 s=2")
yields h=6 m=1 s=8
